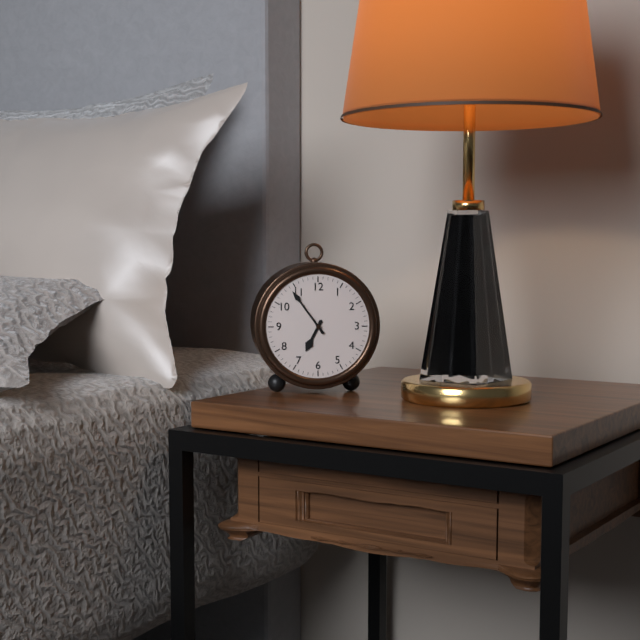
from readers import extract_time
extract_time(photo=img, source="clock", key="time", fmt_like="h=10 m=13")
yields h=6 m=54
